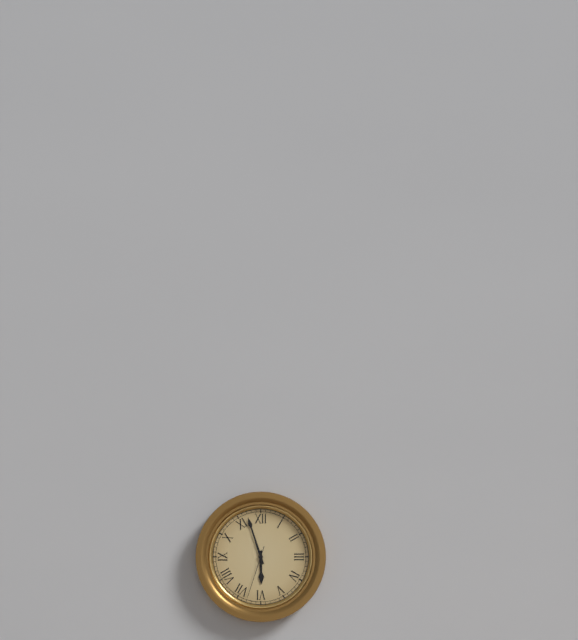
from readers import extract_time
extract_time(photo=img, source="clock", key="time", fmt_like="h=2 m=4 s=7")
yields h=5 m=57 s=33
